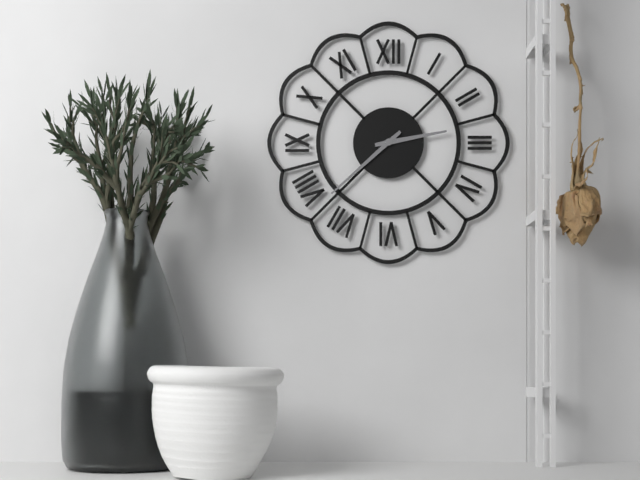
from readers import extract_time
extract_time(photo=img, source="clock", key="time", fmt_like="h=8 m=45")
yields h=2 m=38
